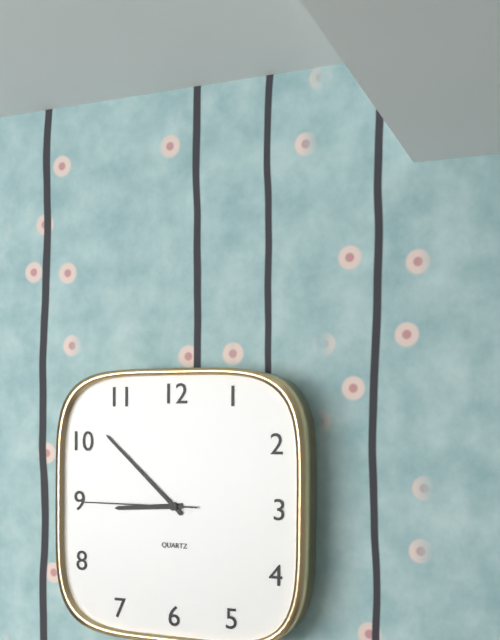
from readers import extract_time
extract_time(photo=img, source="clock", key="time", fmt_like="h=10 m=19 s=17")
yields h=8 m=52 s=45
